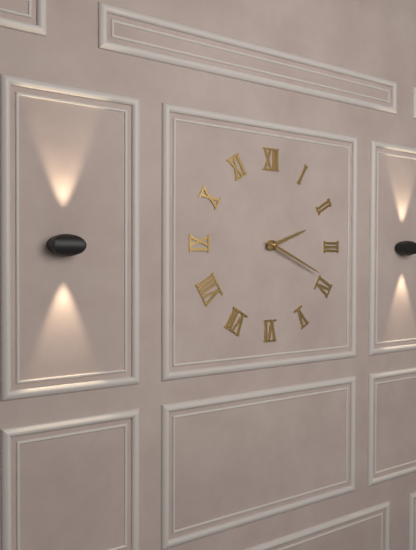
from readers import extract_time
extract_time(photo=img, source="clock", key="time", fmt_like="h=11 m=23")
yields h=2 m=19
